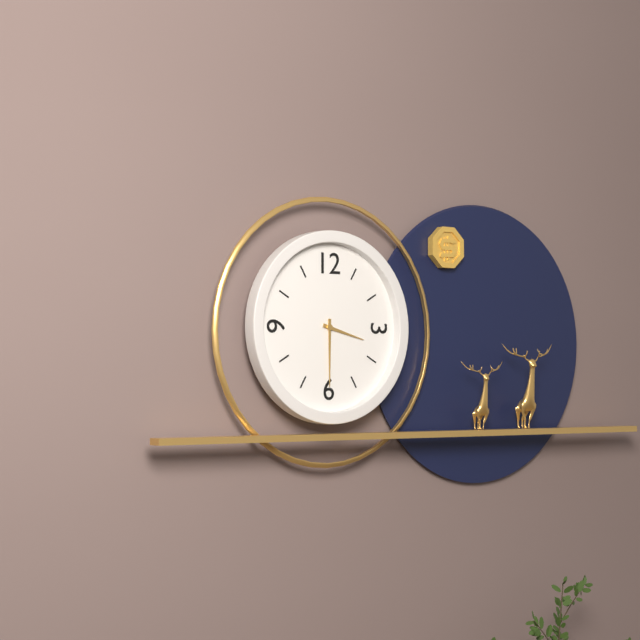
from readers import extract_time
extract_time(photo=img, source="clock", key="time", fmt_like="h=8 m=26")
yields h=3 m=30
